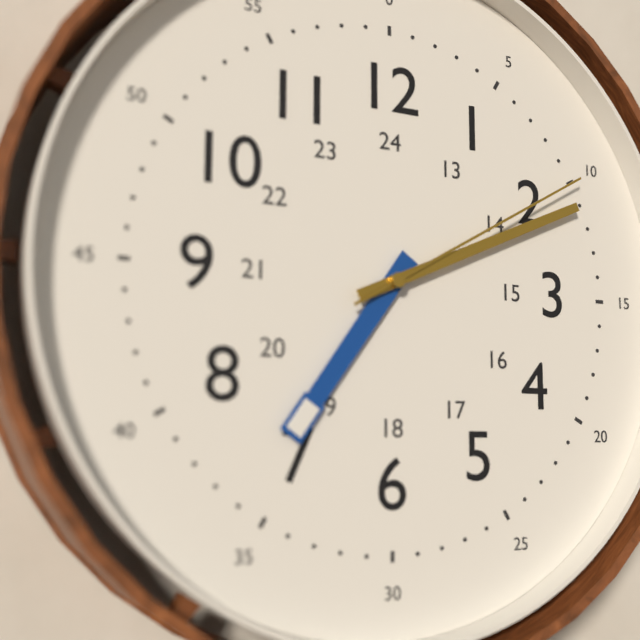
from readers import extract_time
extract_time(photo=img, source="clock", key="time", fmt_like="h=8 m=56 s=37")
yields h=7 m=11 s=10
